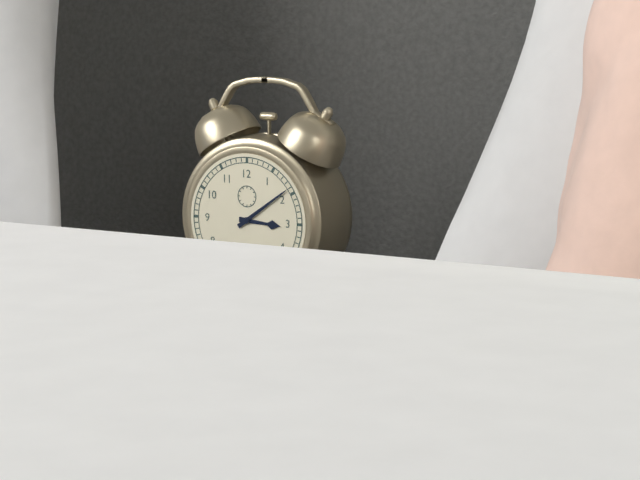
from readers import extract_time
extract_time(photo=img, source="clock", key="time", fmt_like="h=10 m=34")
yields h=3 m=9
